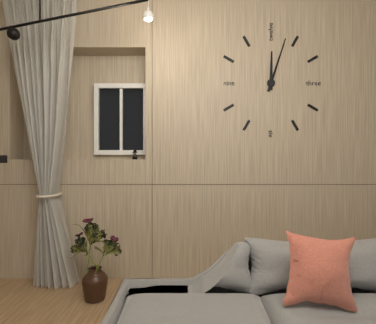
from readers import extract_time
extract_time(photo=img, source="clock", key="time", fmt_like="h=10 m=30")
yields h=12 m=3
